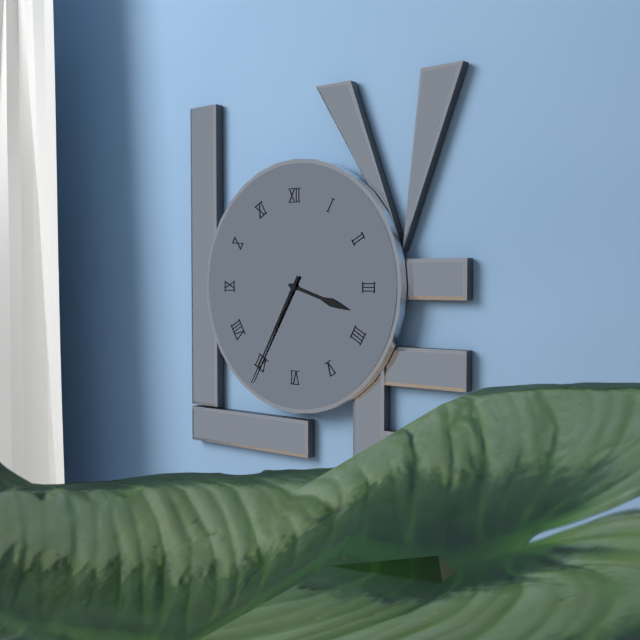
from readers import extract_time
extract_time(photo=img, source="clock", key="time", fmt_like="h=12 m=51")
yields h=3 m=35
